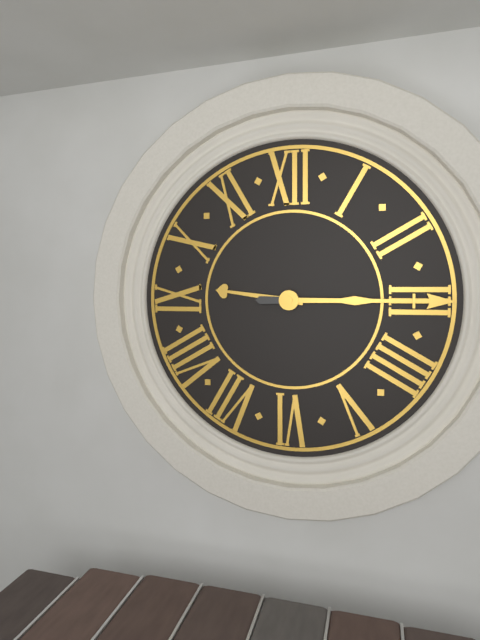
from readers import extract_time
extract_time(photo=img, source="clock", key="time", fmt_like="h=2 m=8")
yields h=9 m=15
